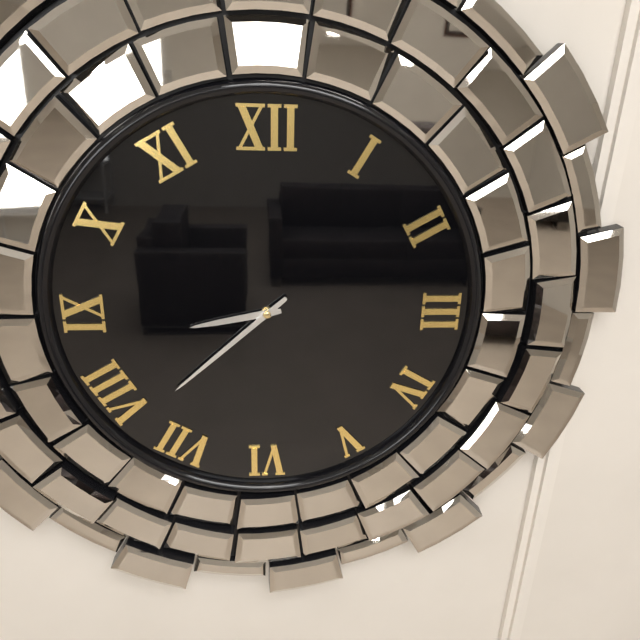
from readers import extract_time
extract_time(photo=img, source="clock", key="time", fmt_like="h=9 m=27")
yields h=8 m=38
